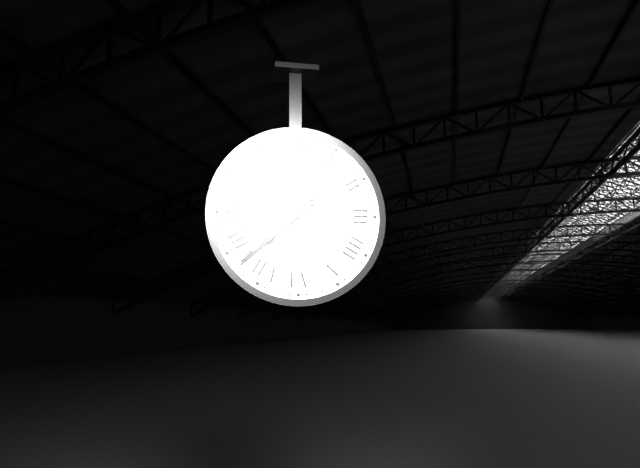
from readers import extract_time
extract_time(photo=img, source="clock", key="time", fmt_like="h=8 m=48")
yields h=7 m=38
